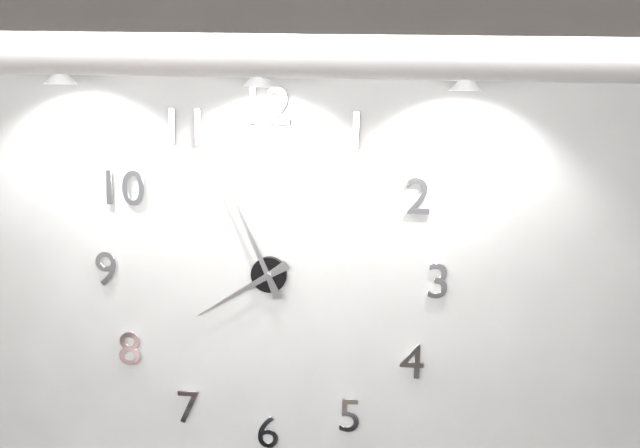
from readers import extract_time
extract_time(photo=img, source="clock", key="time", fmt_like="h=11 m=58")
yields h=7 m=56
